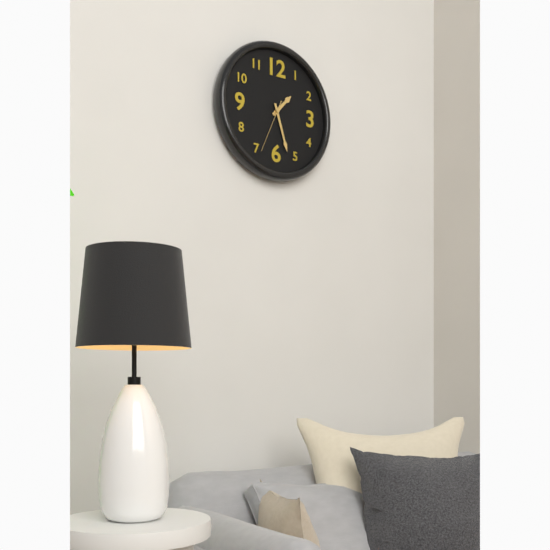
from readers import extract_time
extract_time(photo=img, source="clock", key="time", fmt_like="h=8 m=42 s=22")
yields h=1 m=27 s=34
